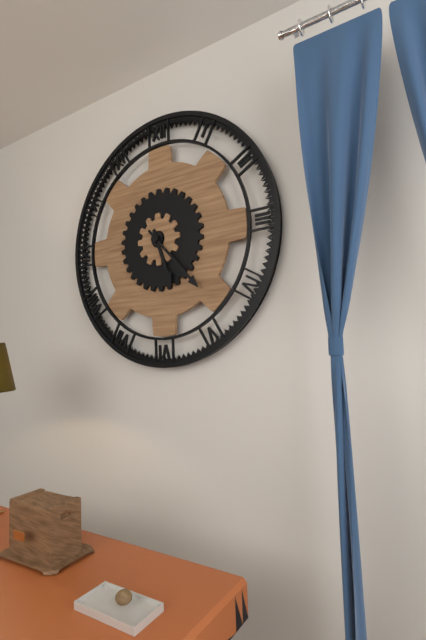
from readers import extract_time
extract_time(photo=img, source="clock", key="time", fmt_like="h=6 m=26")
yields h=5 m=23
